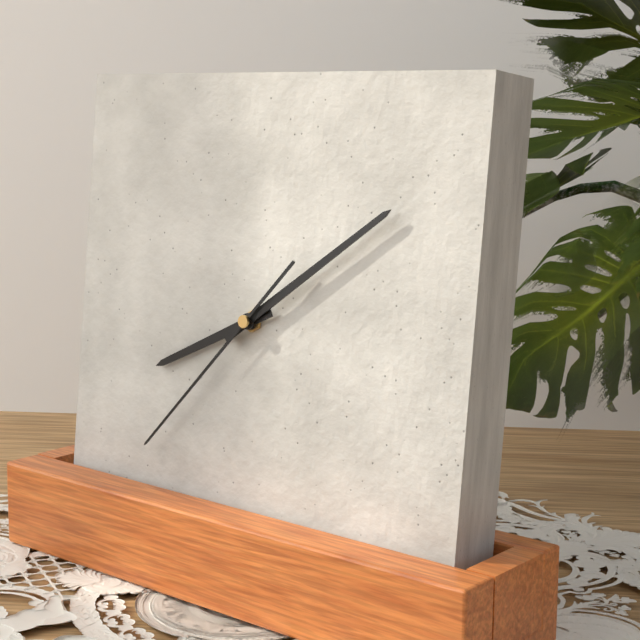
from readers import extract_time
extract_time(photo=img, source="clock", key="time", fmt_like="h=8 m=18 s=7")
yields h=8 m=9 s=37
